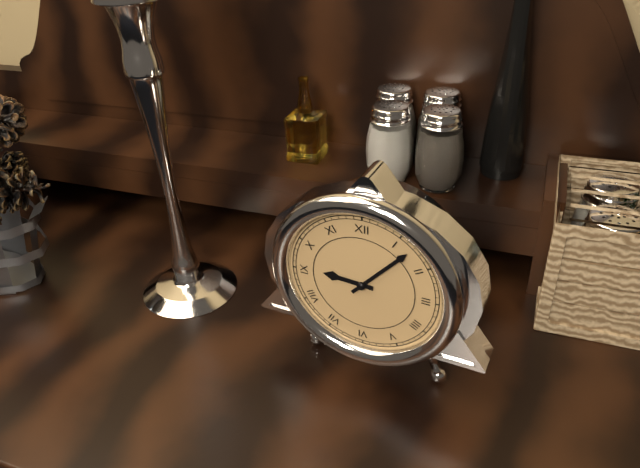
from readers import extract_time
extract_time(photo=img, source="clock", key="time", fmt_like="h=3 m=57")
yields h=9 m=7
